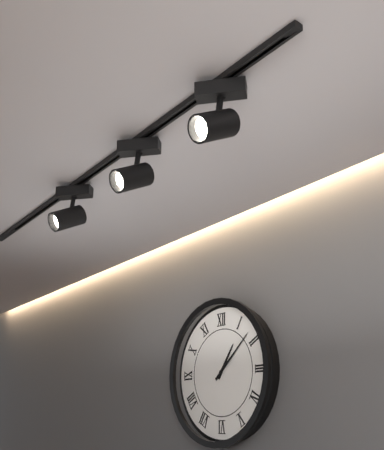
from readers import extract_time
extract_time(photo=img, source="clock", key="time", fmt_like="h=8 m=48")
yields h=1 m=8
